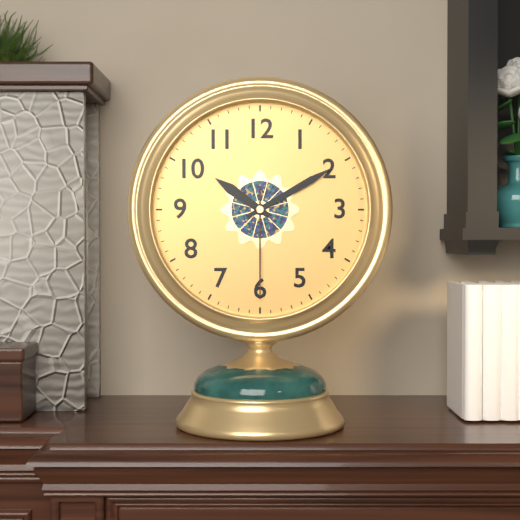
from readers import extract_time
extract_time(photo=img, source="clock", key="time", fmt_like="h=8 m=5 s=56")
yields h=10 m=10 s=30
